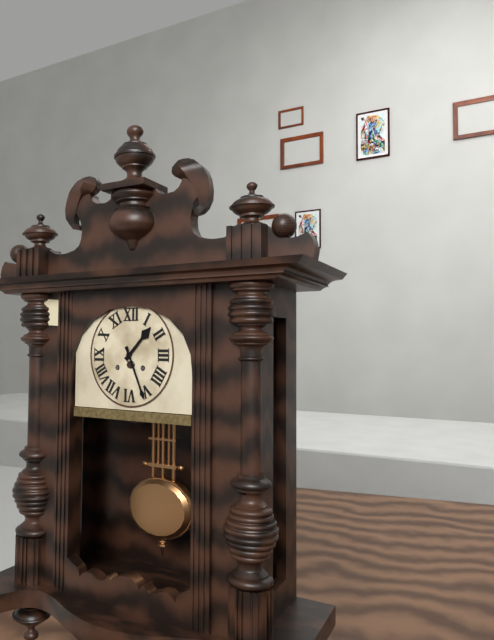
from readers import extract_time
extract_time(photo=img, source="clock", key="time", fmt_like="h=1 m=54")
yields h=1 m=26
